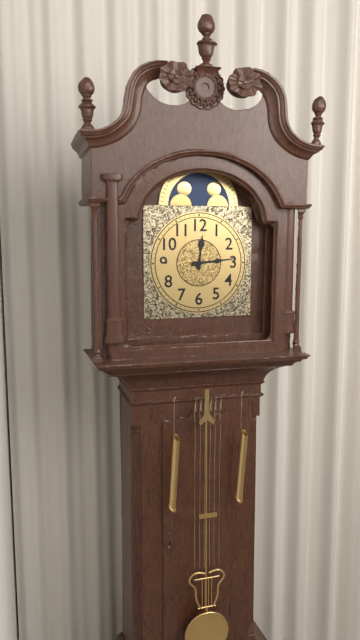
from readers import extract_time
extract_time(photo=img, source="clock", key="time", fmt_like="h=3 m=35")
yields h=12 m=14
